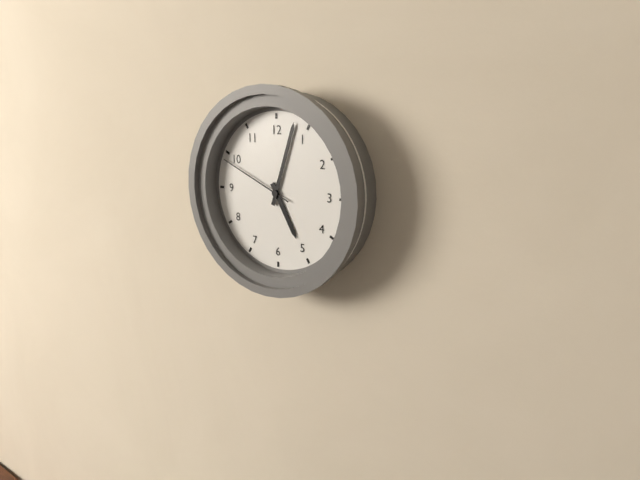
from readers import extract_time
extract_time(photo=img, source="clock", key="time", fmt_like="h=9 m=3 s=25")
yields h=5 m=3 s=49
